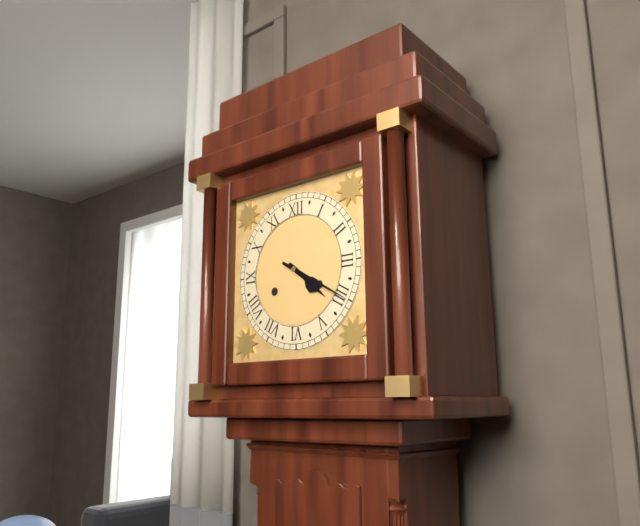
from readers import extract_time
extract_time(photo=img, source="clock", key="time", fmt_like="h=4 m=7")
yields h=4 m=20
